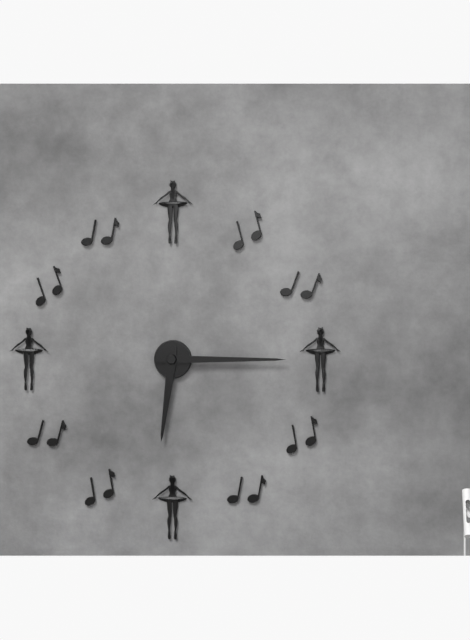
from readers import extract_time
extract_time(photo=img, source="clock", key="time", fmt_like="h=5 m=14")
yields h=6 m=15
